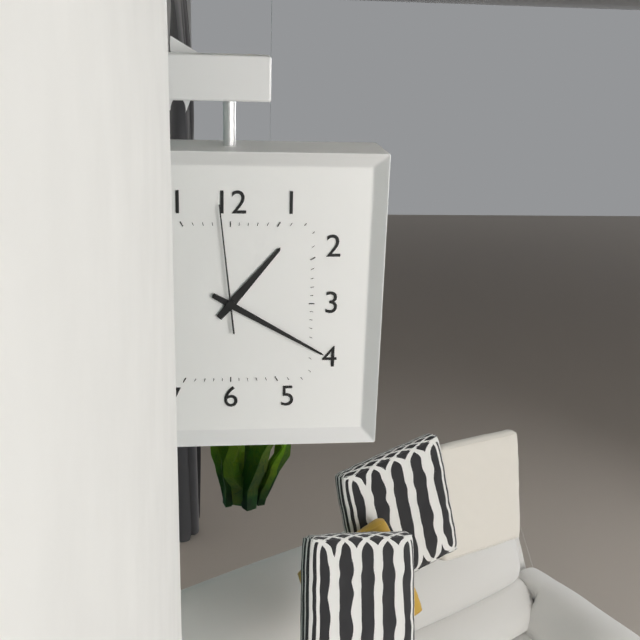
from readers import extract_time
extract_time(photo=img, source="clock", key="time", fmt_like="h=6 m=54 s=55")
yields h=1 m=20 s=59
